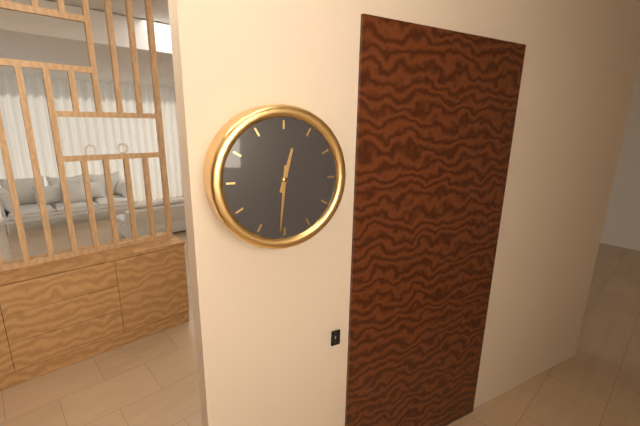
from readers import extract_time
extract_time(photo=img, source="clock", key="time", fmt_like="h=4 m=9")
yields h=12 m=31
